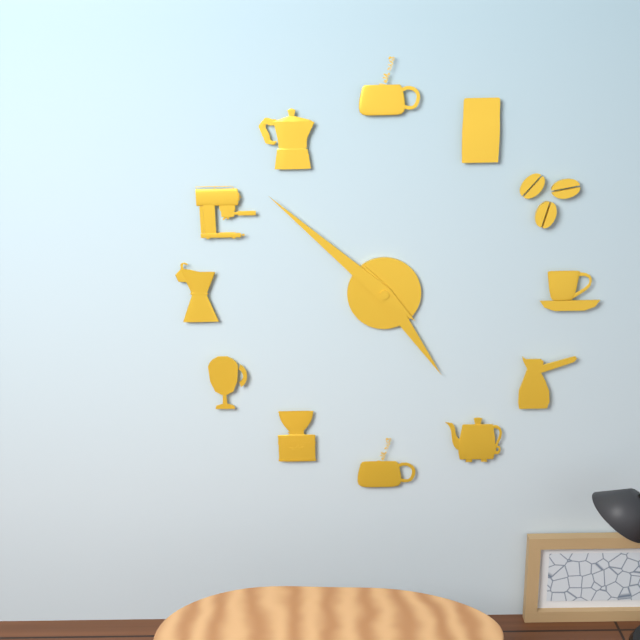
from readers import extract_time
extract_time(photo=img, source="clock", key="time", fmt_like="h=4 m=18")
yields h=4 m=52
